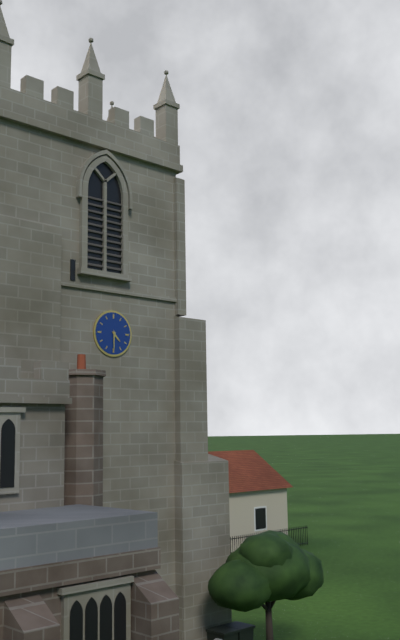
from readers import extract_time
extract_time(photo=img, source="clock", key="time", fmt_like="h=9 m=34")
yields h=4 m=30
